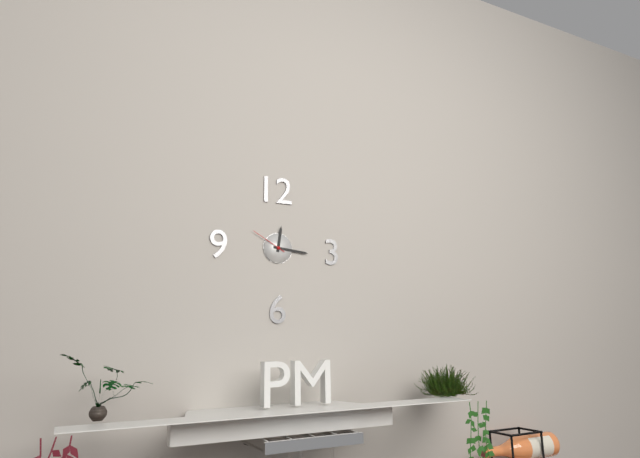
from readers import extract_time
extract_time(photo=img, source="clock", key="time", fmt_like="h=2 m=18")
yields h=12 m=16
